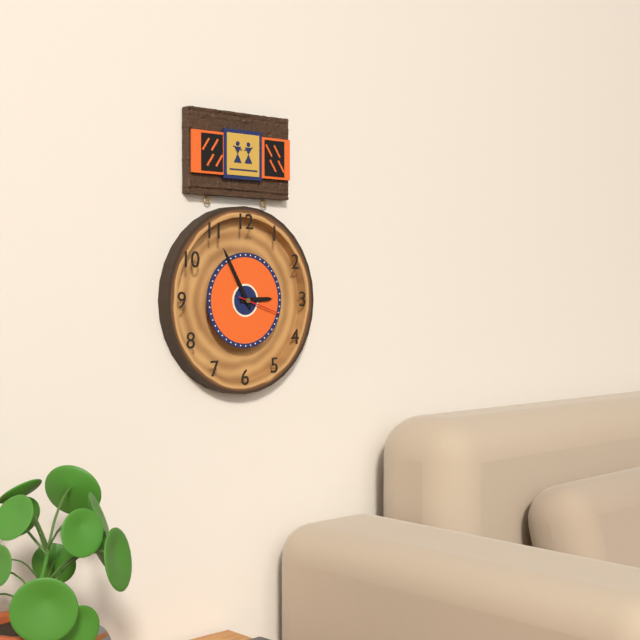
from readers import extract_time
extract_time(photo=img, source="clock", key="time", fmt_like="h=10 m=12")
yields h=2 m=55
